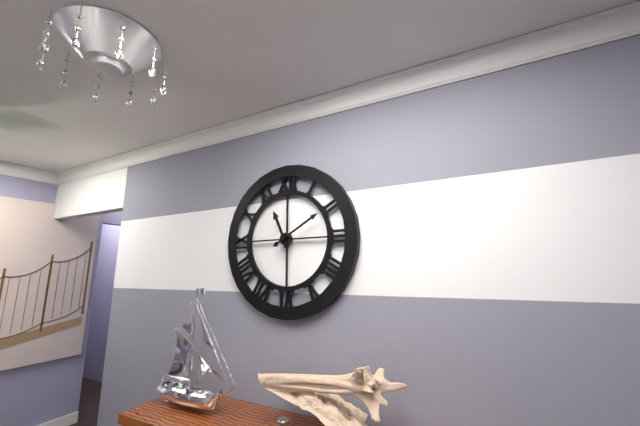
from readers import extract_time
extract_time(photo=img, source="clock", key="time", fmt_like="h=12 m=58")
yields h=11 m=10
